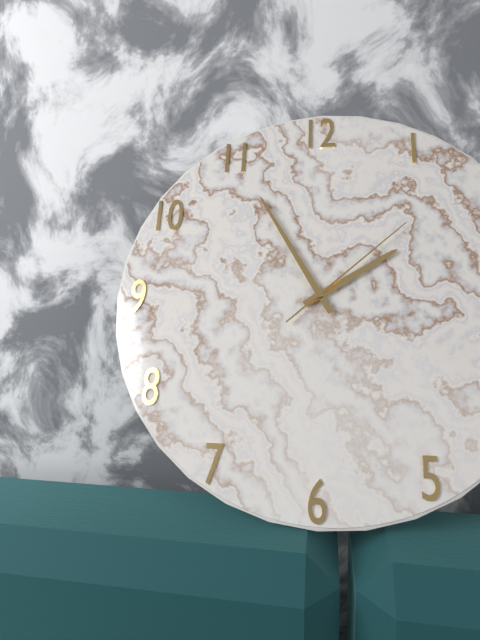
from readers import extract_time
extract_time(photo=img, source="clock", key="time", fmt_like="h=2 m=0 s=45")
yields h=1 m=55 s=8
